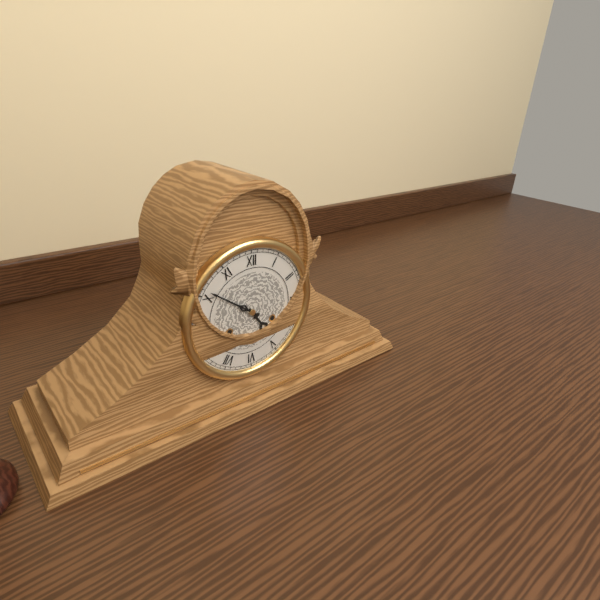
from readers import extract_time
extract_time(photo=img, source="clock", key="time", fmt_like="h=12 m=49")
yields h=4 m=51
